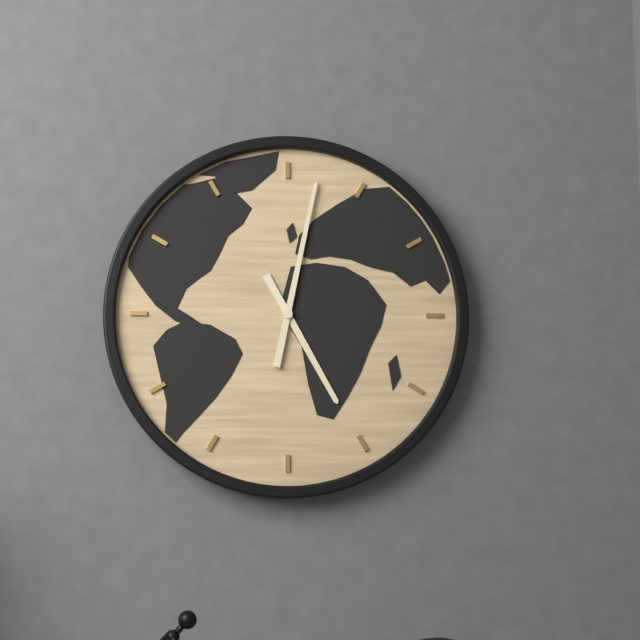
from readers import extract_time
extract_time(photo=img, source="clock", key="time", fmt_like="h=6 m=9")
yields h=5 m=2
